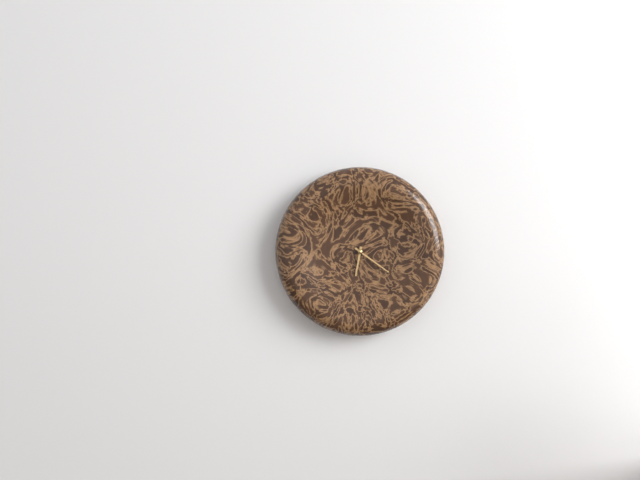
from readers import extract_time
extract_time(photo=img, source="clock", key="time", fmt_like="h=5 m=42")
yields h=6 m=21
